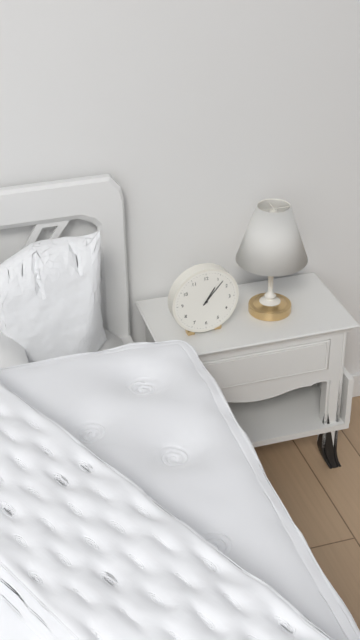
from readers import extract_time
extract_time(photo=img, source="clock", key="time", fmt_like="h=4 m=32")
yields h=1 m=7
